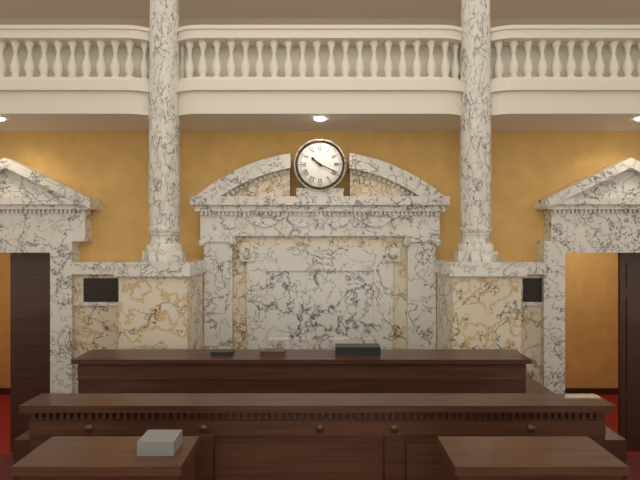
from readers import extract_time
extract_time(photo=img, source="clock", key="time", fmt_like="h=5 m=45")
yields h=10 m=19
